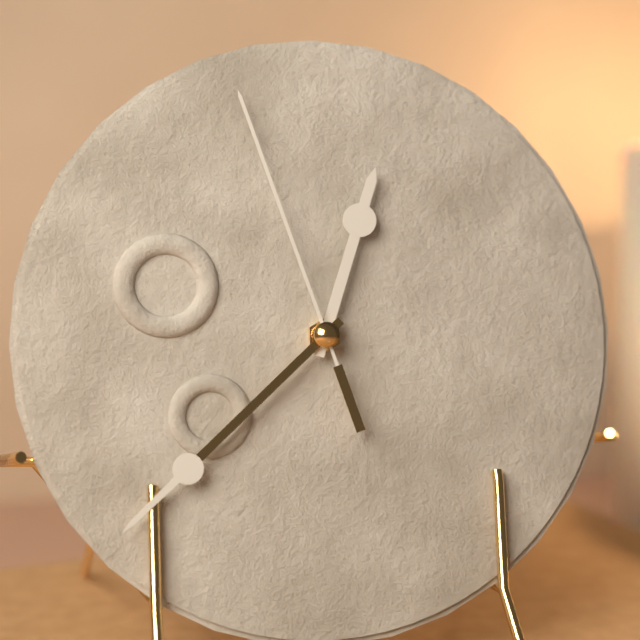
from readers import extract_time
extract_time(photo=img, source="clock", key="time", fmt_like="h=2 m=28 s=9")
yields h=12 m=38 s=57
